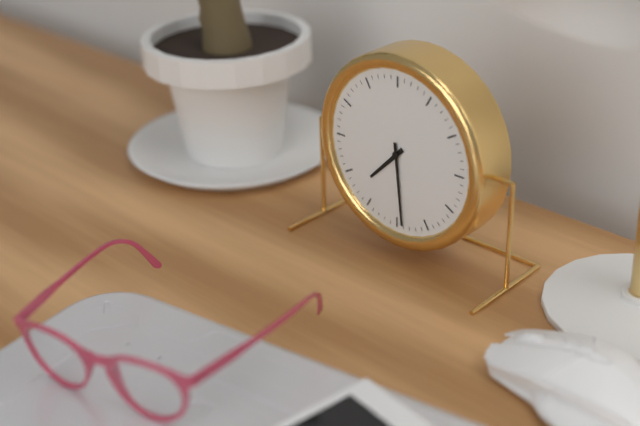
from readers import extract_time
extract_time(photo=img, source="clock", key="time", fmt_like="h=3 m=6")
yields h=7 m=29
